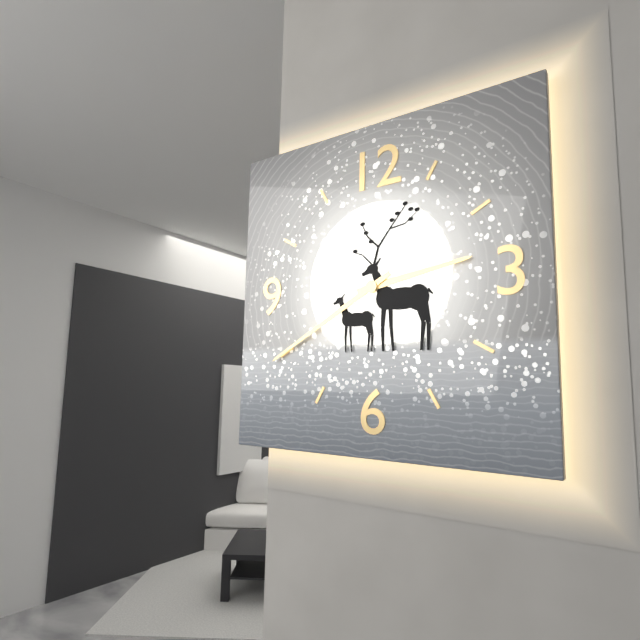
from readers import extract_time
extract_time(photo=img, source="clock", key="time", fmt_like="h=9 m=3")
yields h=2 m=40
